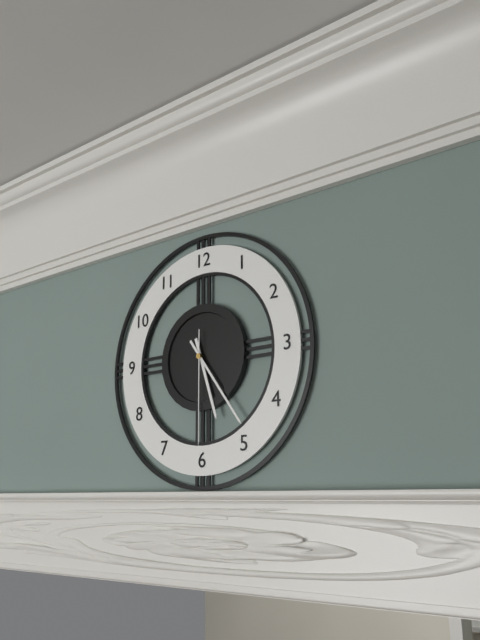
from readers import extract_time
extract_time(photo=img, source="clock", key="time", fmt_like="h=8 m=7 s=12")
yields h=5 m=24 s=30
